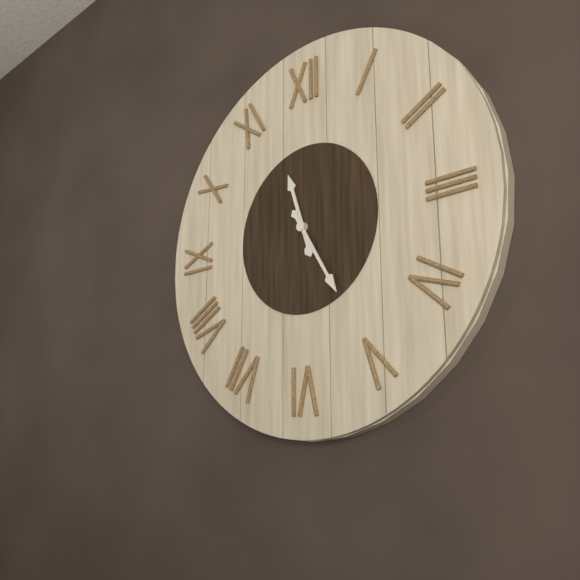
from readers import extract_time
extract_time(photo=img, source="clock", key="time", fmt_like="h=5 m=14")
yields h=11 m=25
